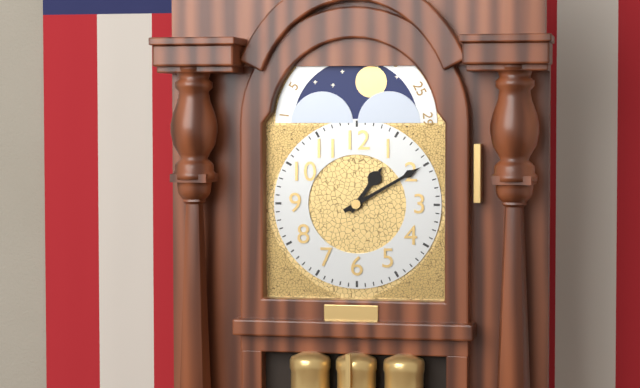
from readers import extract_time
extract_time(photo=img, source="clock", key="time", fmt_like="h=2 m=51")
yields h=1 m=10
